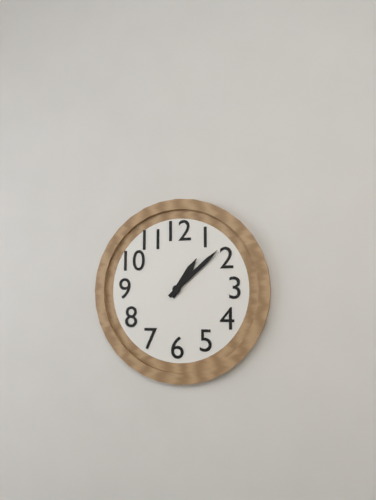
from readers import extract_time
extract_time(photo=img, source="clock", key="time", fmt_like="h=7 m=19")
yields h=1 m=8
